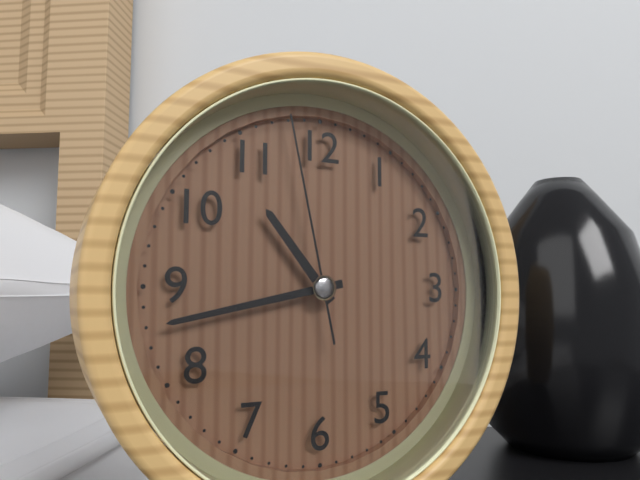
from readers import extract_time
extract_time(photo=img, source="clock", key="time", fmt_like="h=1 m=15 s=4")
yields h=10 m=43 s=58
